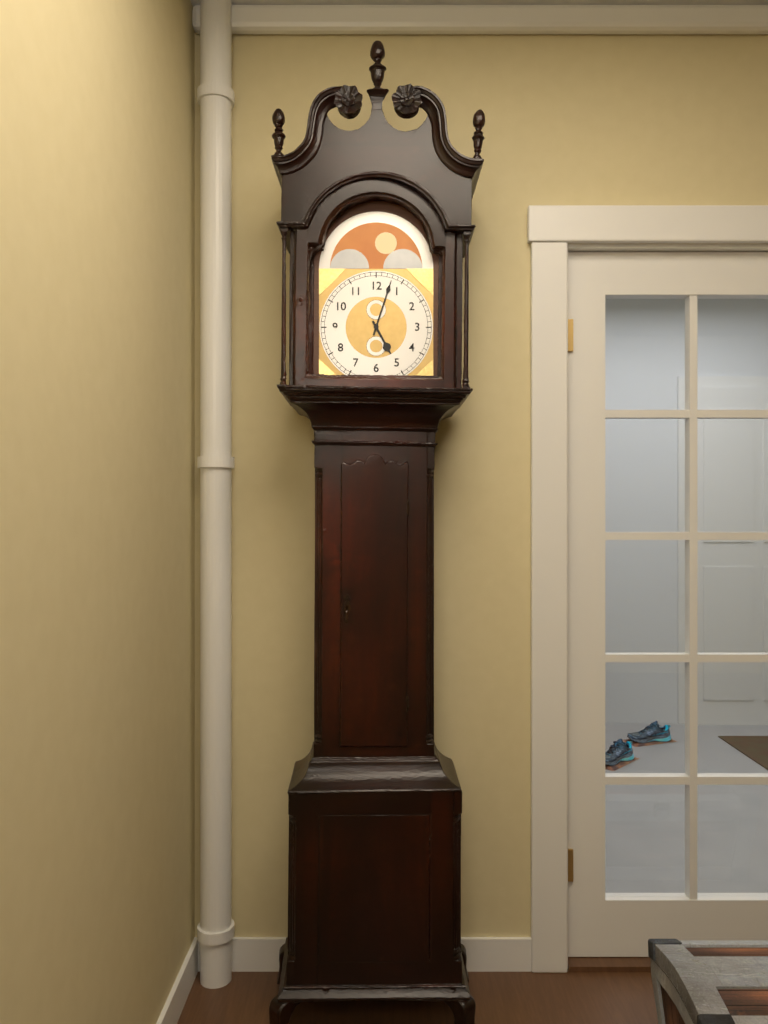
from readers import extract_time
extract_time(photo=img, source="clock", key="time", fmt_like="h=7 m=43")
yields h=5 m=3
